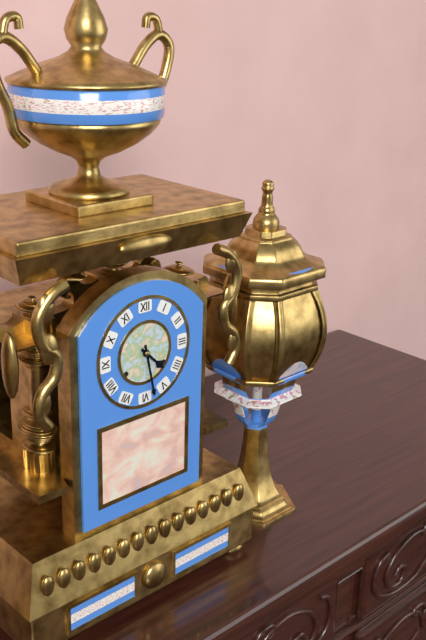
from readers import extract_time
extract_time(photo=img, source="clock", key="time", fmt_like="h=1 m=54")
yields h=4 m=28
